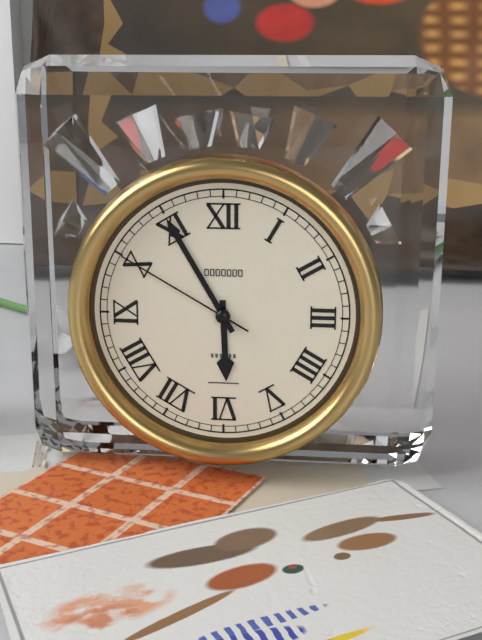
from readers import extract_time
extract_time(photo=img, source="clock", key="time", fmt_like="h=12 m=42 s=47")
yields h=5 m=55 s=50
